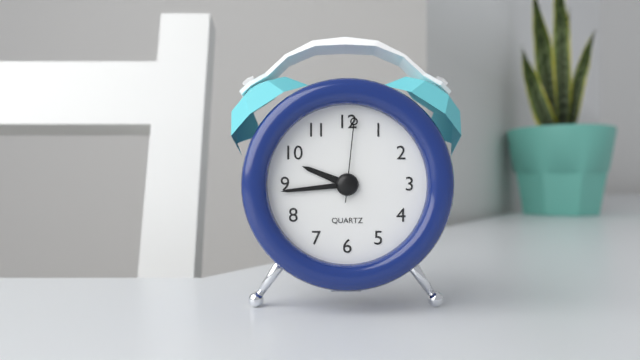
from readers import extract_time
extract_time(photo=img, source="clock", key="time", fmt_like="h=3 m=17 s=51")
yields h=9 m=44 s=1
